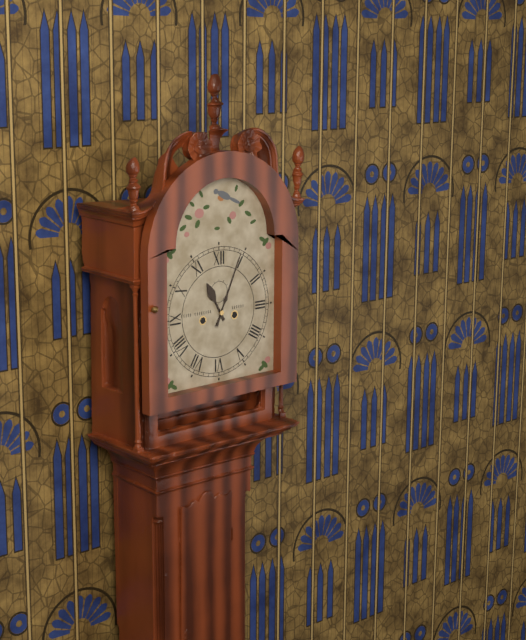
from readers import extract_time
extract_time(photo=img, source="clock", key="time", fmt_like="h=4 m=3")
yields h=11 m=4
